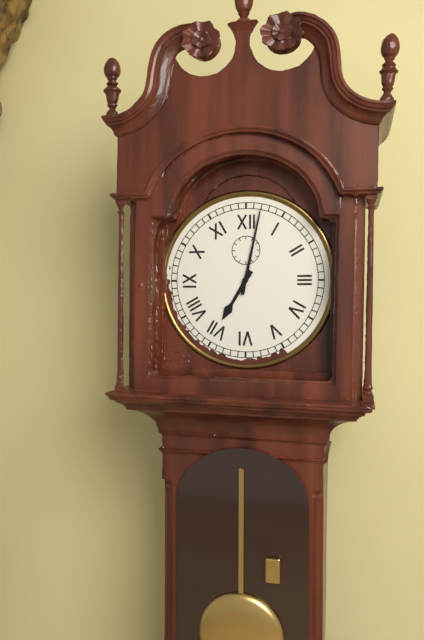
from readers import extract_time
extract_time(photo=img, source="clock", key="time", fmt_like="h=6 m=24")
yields h=7 m=2
